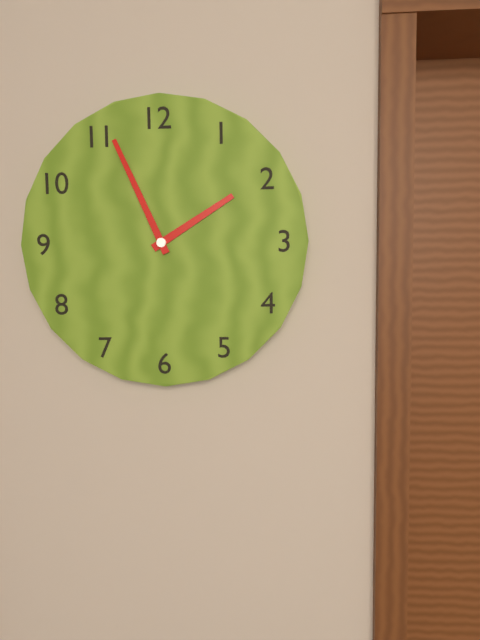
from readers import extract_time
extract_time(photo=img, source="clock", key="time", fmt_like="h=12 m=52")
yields h=1 m=56
